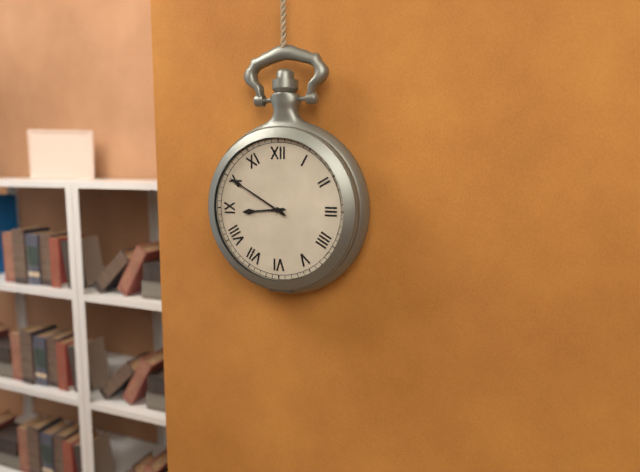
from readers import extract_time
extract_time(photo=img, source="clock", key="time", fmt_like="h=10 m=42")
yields h=8 m=50
